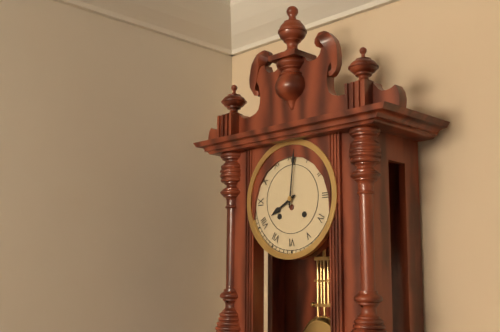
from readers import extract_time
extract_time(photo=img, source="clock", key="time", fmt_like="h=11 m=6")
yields h=8 m=1
